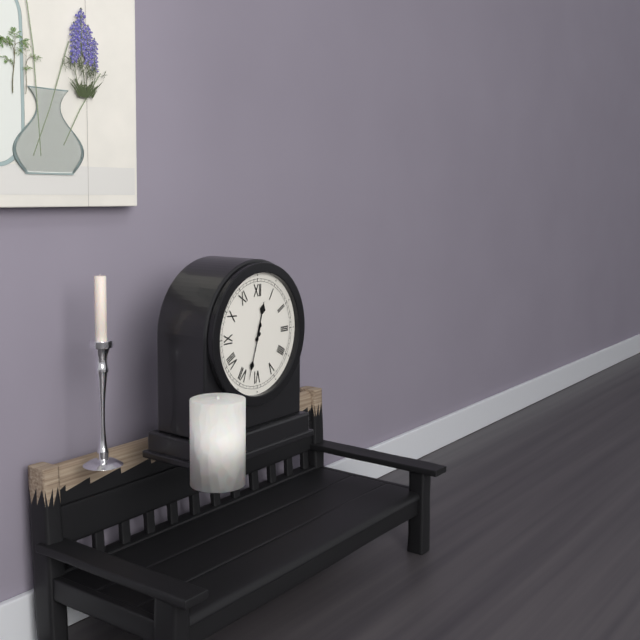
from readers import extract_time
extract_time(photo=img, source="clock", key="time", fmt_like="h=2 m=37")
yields h=12 m=33
